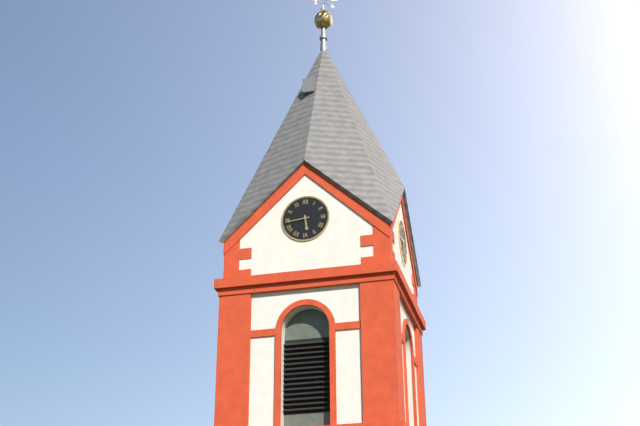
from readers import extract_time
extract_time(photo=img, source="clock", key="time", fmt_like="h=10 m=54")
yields h=5 m=44
